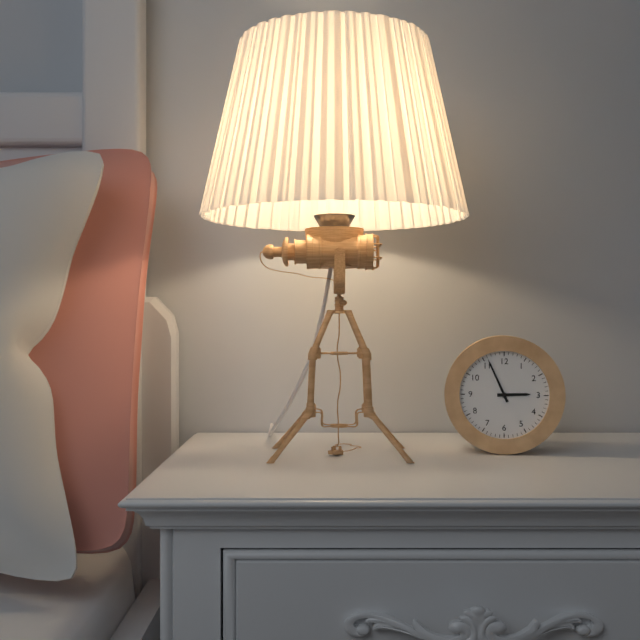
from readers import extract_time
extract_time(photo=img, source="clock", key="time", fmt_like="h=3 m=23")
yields h=2 m=56
